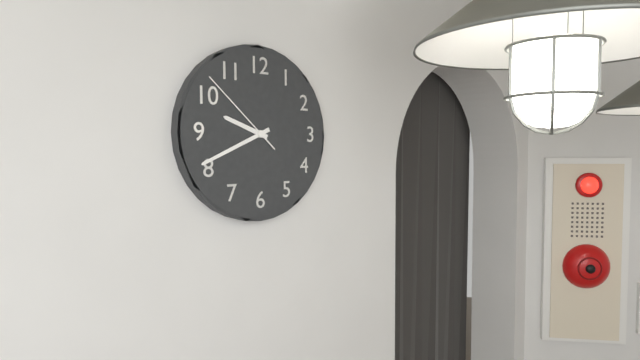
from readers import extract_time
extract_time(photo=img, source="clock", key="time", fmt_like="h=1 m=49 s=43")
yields h=9 m=41 s=52
